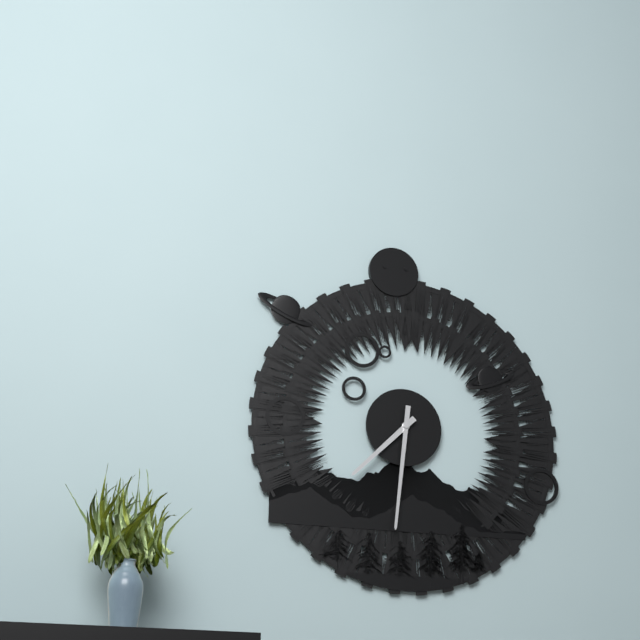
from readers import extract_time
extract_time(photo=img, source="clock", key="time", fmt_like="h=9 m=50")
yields h=7 m=31
